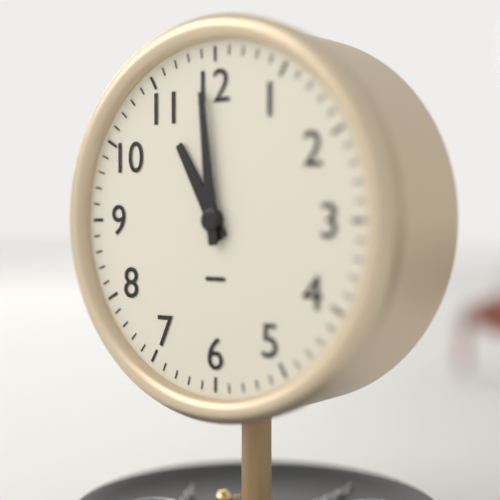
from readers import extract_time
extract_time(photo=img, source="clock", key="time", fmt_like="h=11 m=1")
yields h=10 m=59
